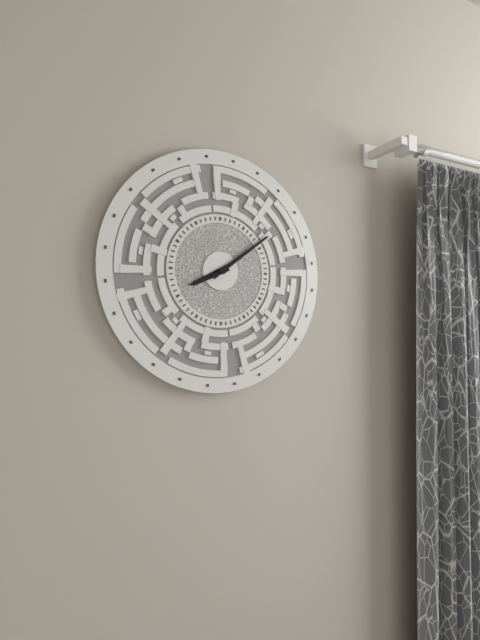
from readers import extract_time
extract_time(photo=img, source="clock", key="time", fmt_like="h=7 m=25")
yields h=8 m=9
